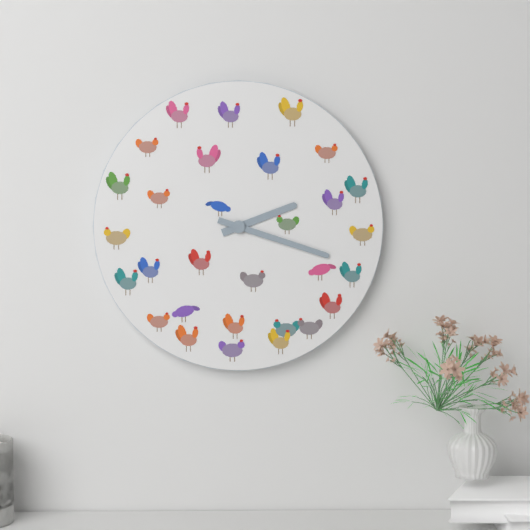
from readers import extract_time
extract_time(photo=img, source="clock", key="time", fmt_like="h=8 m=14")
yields h=2 m=18
